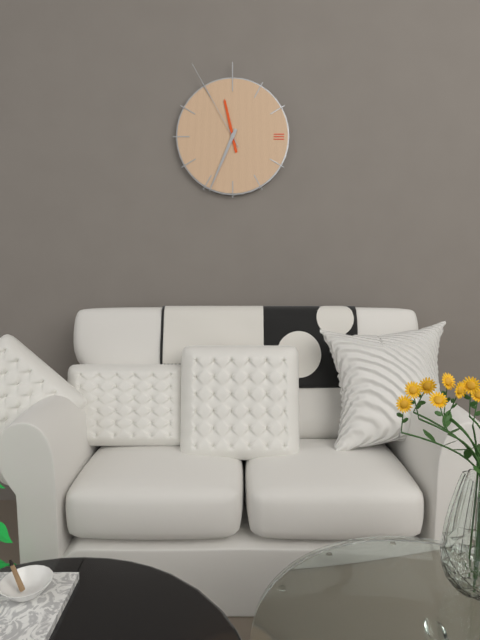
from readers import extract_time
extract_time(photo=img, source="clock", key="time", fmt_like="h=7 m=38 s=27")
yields h=11 m=34 s=55
